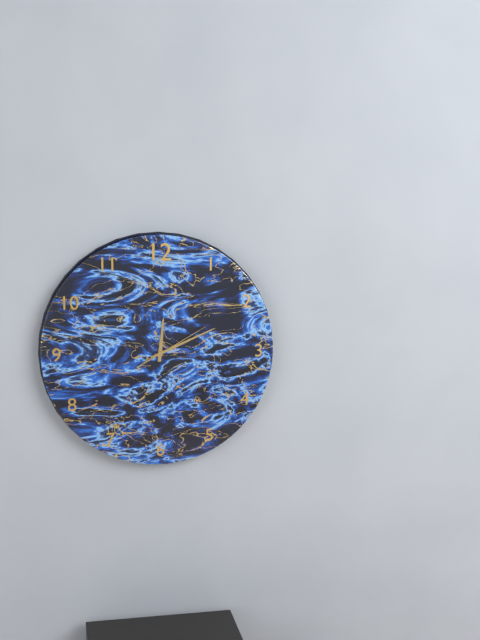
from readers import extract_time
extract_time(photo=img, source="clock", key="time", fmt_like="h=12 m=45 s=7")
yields h=12 m=11 s=10
